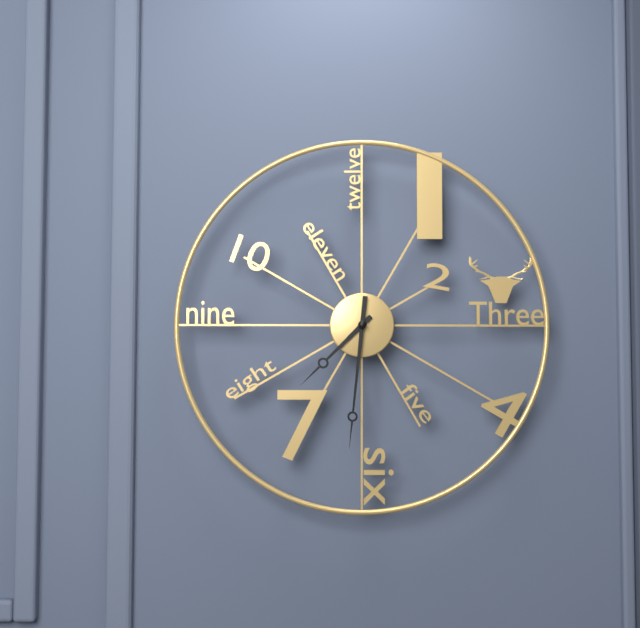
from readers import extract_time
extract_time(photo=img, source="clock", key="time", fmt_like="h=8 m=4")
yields h=7 m=31
